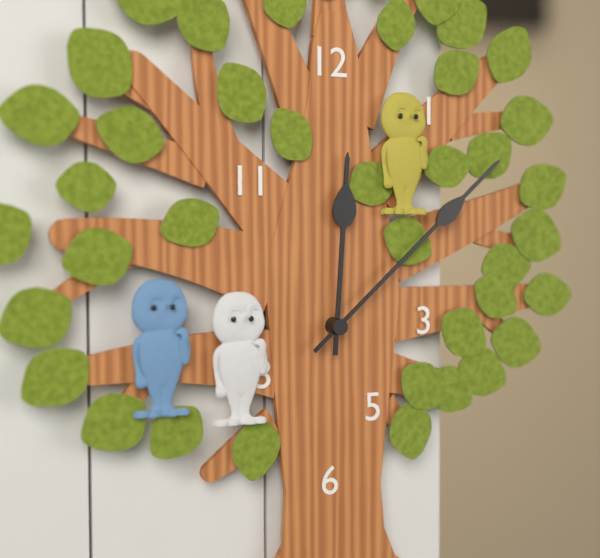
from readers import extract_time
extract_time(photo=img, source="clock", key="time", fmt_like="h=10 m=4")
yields h=12 m=8
